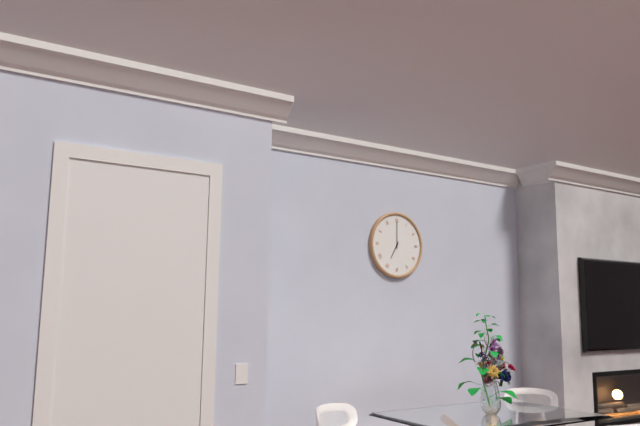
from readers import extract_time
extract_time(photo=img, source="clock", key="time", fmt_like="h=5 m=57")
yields h=7 m=0
